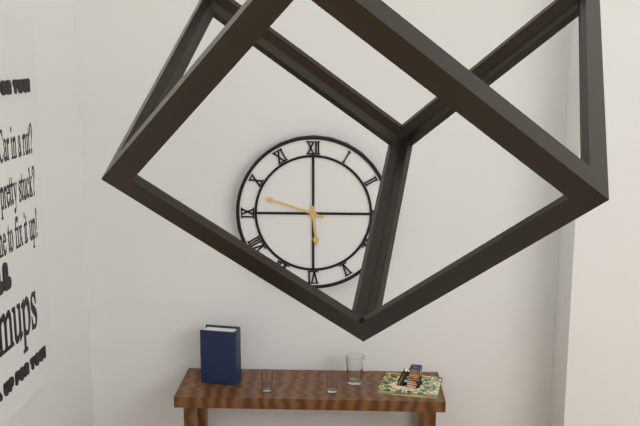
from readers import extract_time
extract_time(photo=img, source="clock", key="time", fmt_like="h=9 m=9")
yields h=5 m=48
